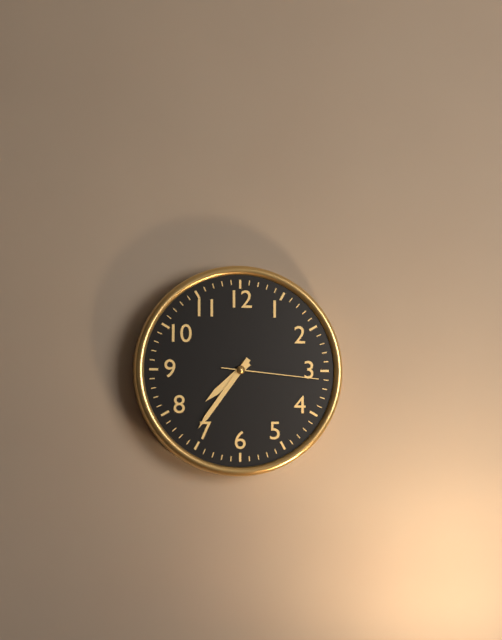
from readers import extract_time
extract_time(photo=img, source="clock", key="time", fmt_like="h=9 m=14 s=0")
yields h=7 m=36 s=16
